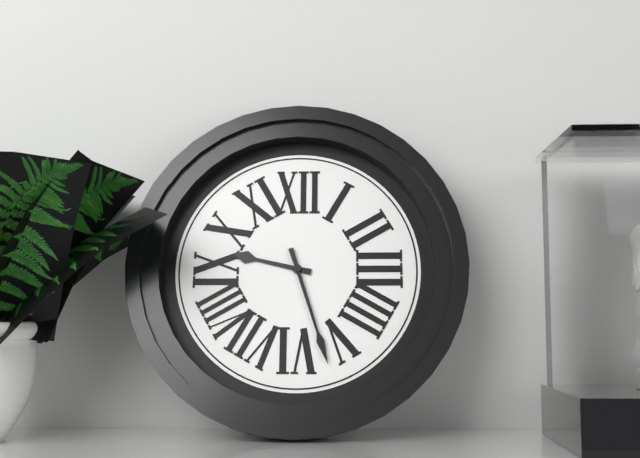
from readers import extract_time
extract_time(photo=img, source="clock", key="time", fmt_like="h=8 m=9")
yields h=9 m=27
